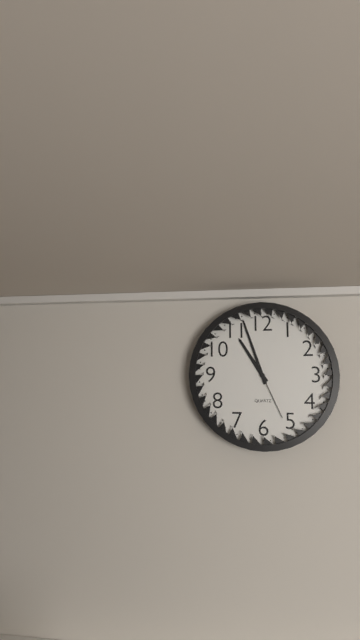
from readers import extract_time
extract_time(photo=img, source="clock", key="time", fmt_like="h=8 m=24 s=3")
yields h=10 m=57 s=26
